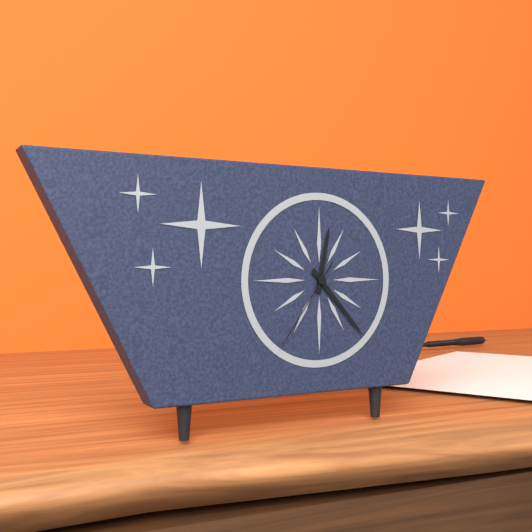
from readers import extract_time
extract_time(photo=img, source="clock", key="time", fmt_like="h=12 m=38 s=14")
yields h=12 m=23 s=36
